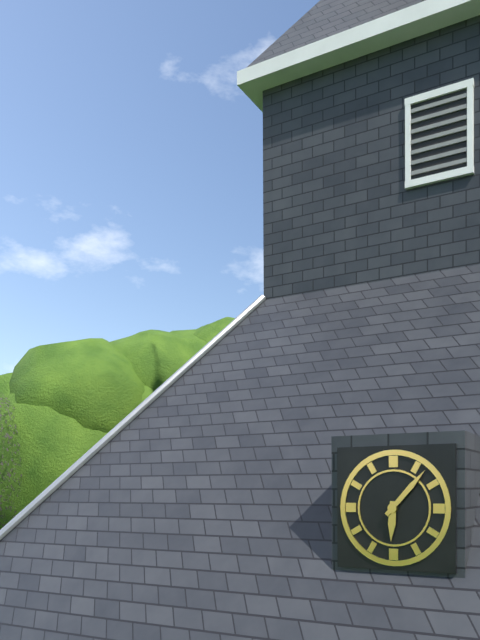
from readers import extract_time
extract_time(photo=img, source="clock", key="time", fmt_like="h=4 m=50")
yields h=6 m=7
